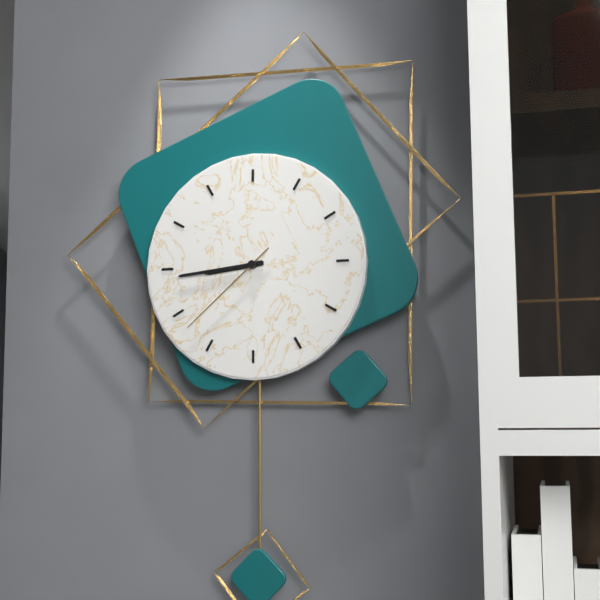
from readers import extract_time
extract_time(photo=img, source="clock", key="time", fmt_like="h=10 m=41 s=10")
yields h=8 m=44 s=38
